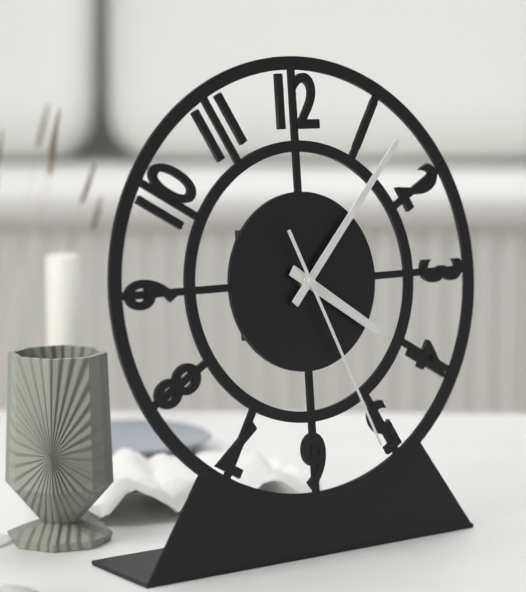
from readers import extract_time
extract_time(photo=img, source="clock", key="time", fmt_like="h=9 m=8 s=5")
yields h=4 m=7 s=26
